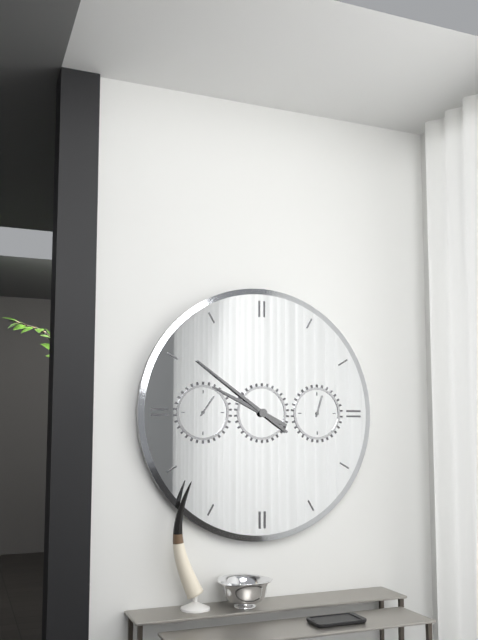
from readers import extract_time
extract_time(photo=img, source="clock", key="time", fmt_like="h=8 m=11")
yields h=9 m=51
